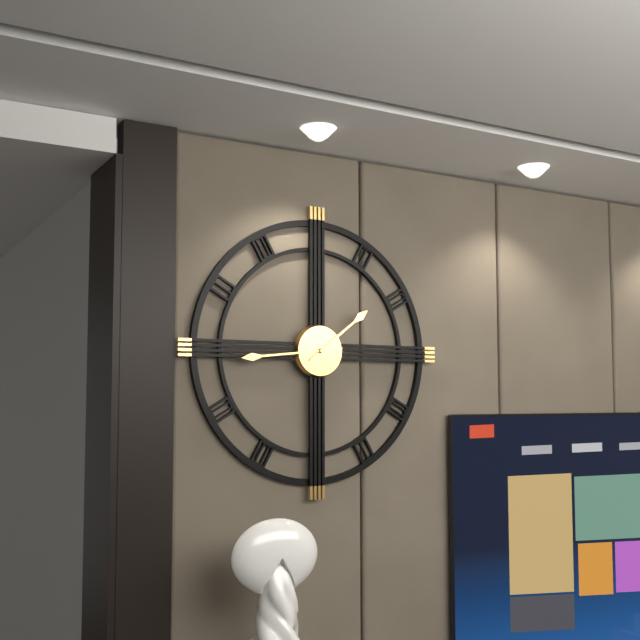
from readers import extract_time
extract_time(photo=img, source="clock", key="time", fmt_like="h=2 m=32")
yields h=1 m=44
